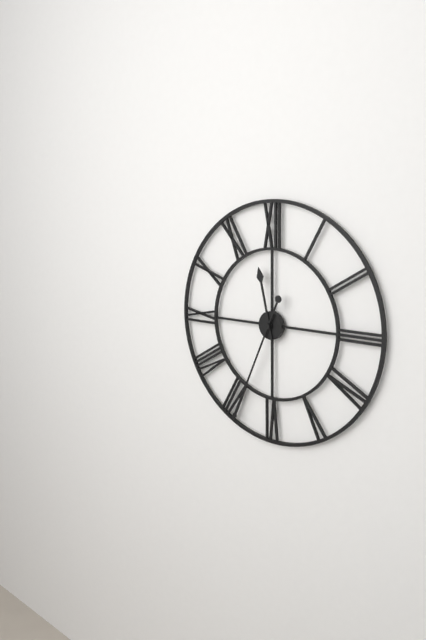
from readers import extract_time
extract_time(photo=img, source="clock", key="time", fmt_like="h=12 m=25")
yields h=11 m=34
